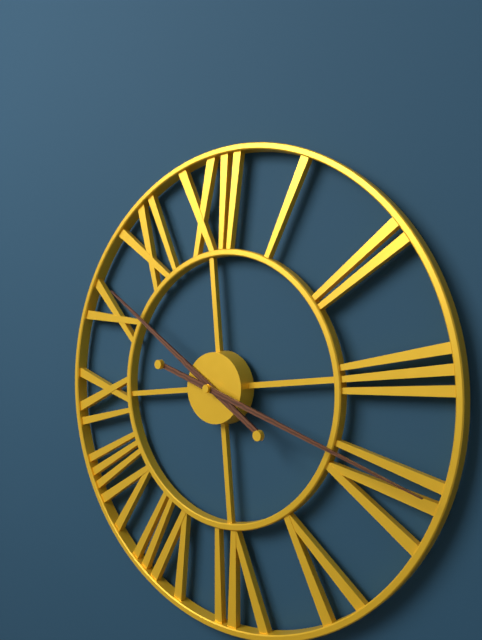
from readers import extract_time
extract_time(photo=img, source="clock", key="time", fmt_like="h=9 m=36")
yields h=10 m=19
